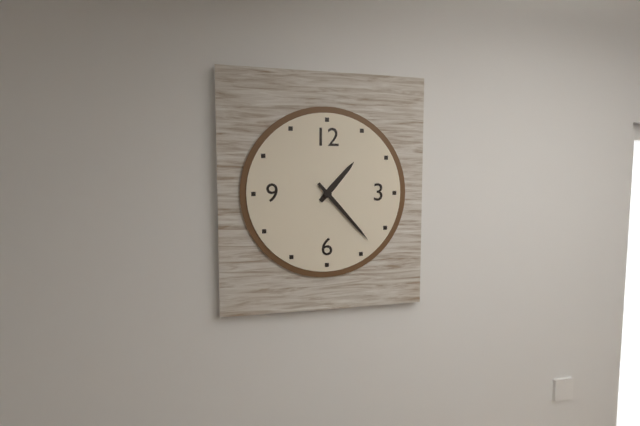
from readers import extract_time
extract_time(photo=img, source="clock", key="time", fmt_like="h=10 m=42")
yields h=1 m=23
